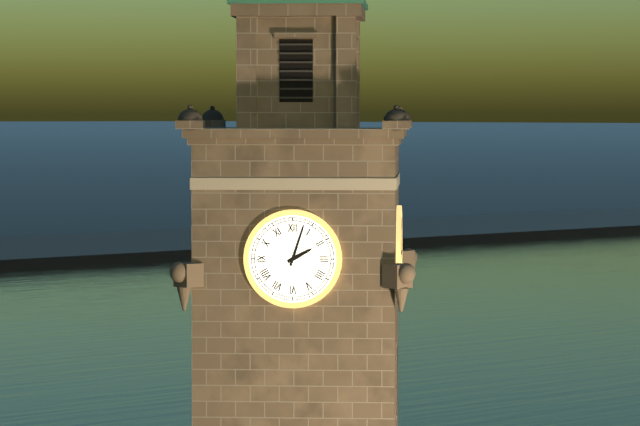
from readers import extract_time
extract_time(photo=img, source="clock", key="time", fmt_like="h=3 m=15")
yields h=2 m=3
